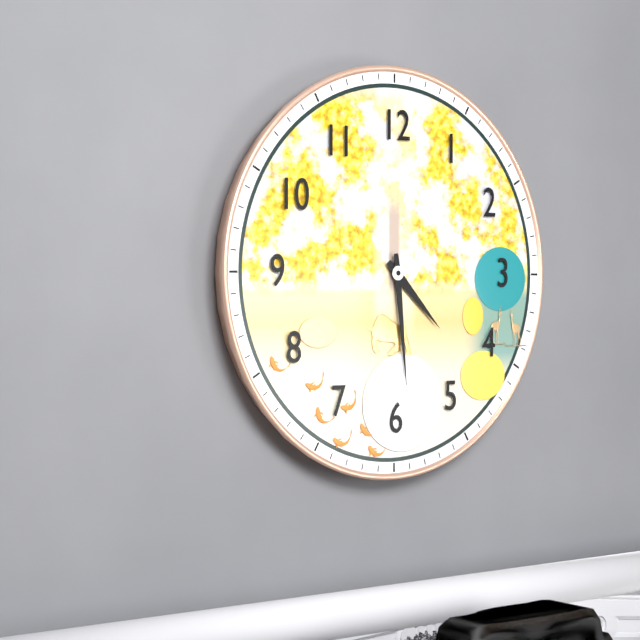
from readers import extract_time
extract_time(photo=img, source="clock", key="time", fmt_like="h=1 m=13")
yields h=4 m=29
